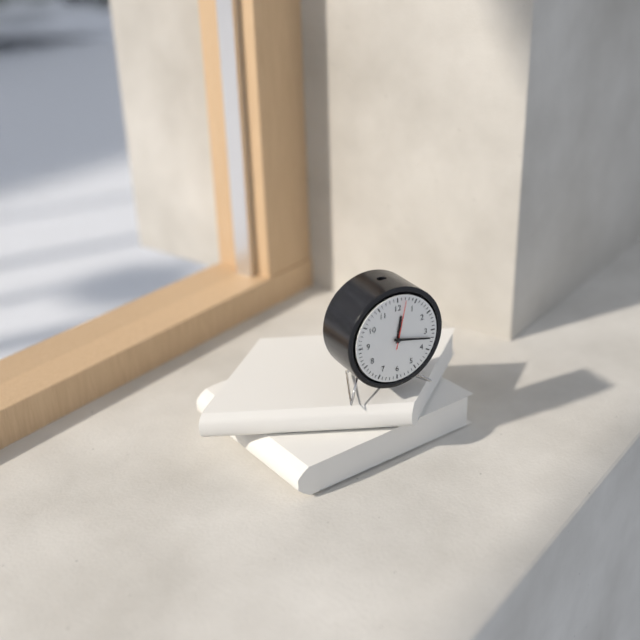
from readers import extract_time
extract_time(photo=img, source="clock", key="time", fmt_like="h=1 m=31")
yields h=12 m=17
